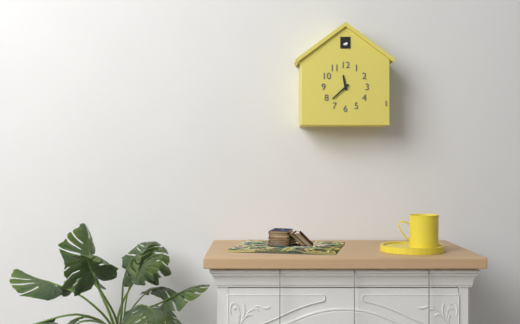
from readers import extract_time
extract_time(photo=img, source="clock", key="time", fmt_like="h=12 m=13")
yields h=11 m=38
